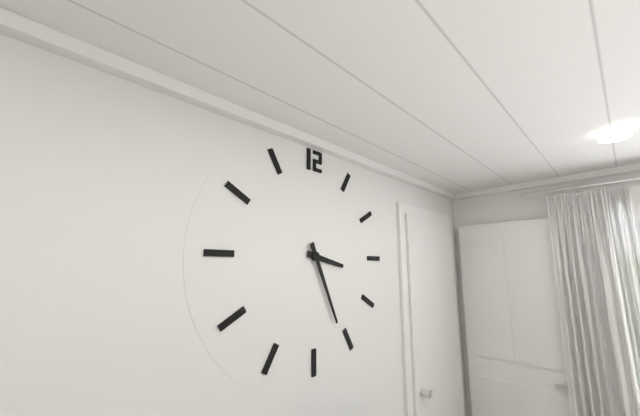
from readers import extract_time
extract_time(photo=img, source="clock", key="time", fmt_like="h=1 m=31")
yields h=3 m=26
